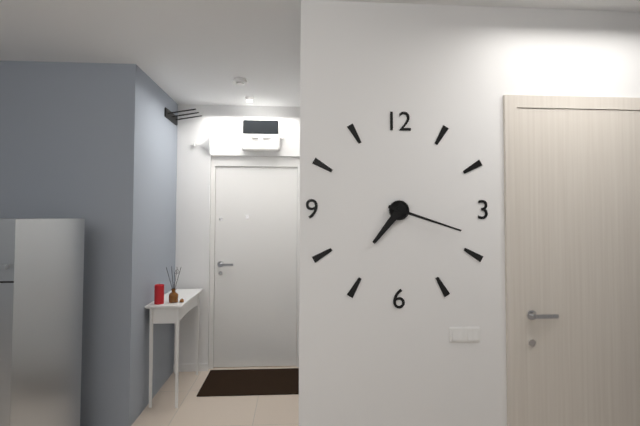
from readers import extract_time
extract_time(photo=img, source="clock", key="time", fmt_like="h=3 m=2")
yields h=7 m=18
